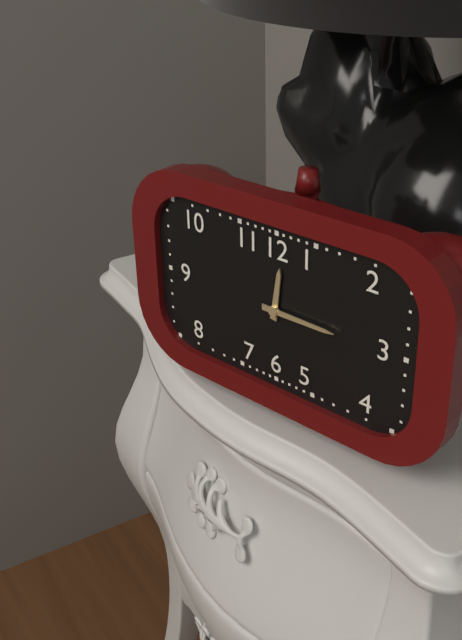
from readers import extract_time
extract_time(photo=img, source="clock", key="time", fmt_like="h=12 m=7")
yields h=12 m=15
